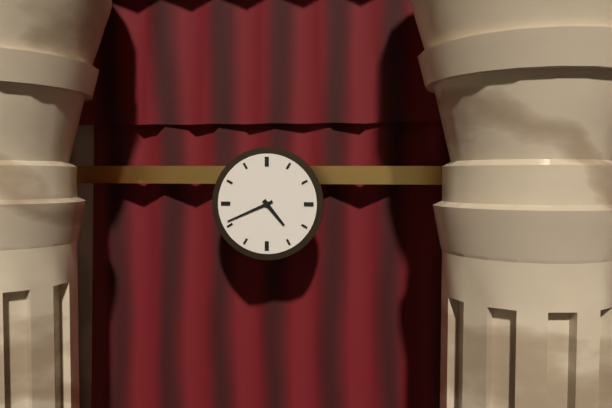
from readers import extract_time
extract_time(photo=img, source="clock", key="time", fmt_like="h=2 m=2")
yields h=4 m=41
